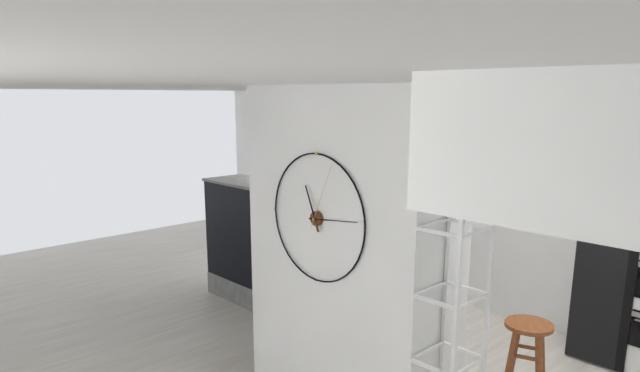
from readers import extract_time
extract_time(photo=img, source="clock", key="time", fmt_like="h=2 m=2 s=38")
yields h=11 m=14 s=4
